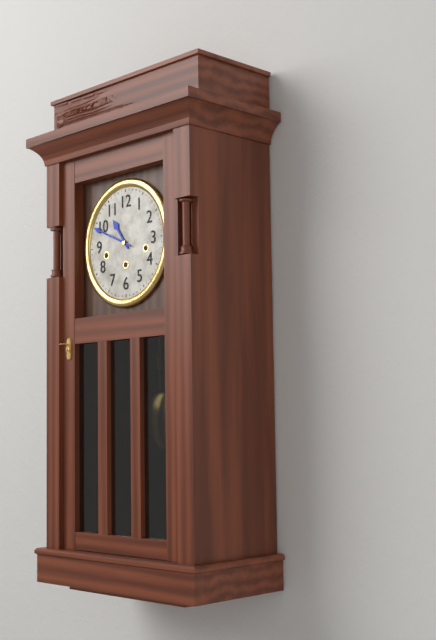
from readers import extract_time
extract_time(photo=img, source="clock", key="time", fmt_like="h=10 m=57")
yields h=10 m=49
